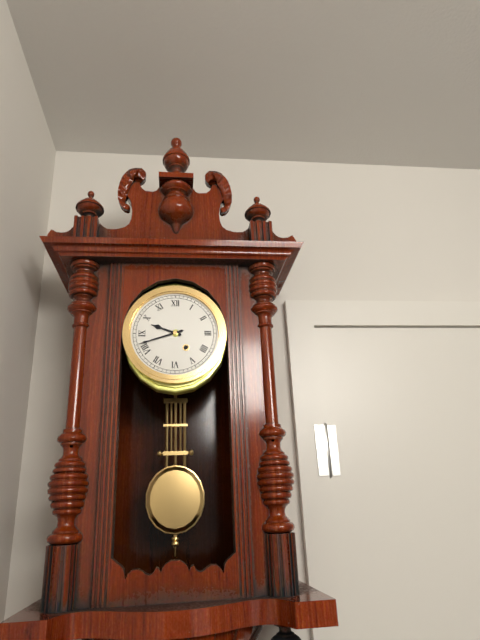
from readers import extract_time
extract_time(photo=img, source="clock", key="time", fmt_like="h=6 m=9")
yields h=9 m=42
